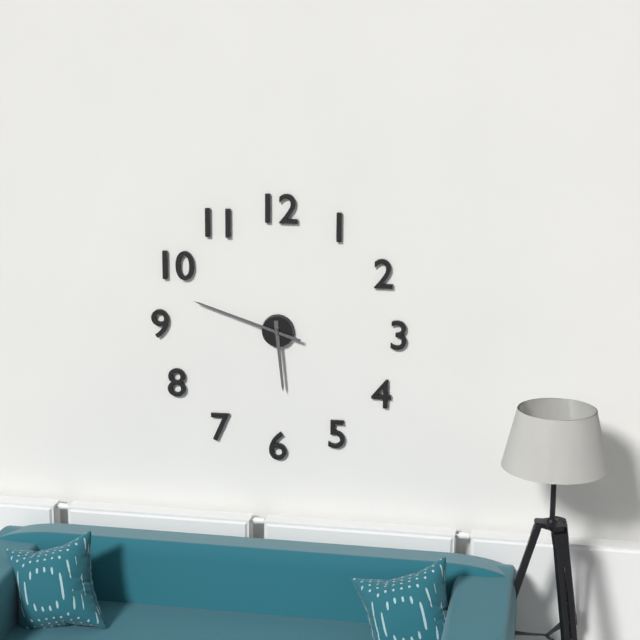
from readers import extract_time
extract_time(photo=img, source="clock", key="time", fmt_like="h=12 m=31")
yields h=5 m=48
